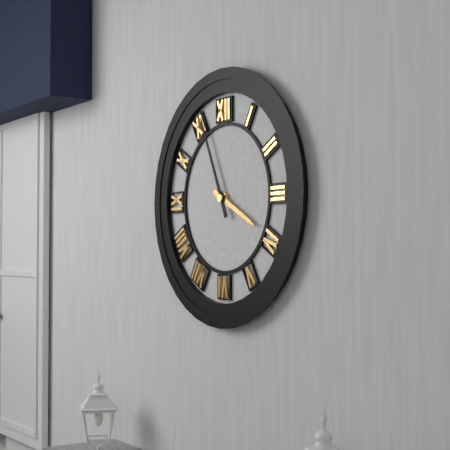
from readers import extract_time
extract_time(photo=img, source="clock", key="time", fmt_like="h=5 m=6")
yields h=3 m=56
